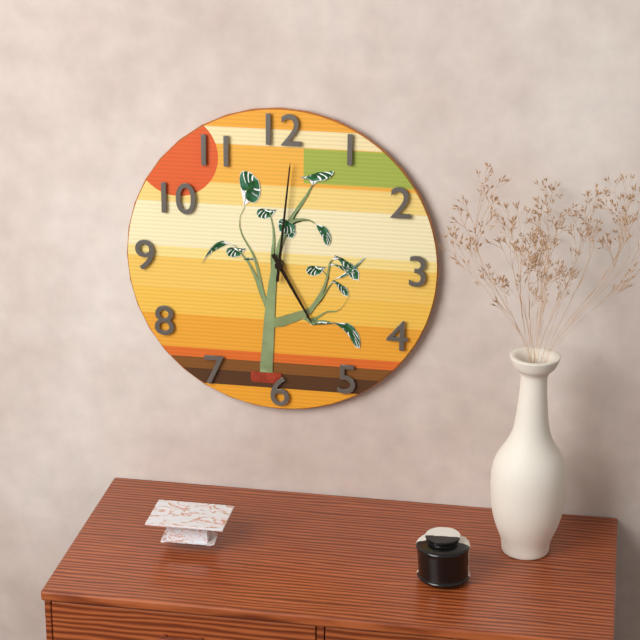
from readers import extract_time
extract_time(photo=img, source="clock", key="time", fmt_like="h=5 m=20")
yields h=5 m=1
